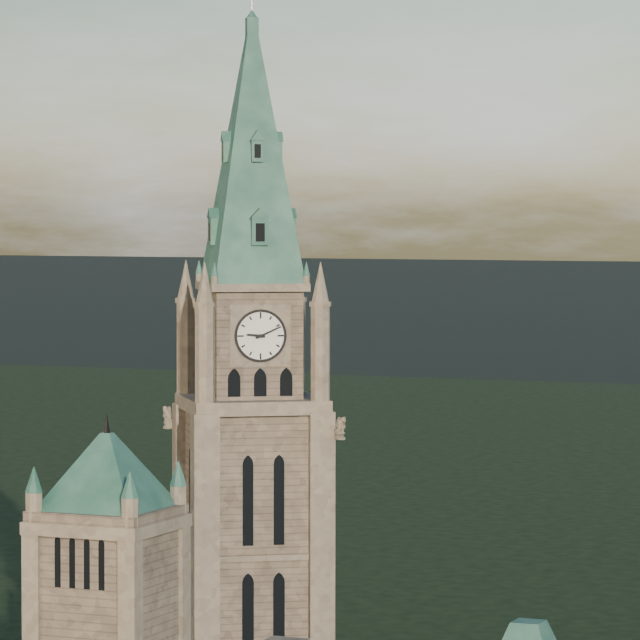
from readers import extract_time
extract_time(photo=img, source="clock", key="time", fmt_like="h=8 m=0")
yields h=9 m=11
